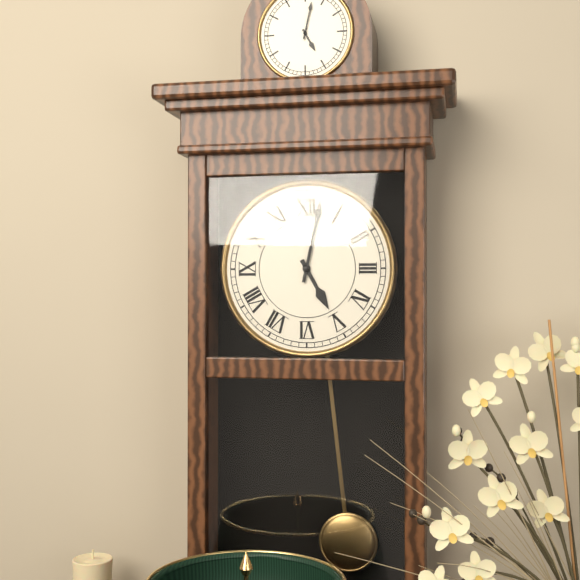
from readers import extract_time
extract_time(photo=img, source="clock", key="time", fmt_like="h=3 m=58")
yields h=5 m=2
